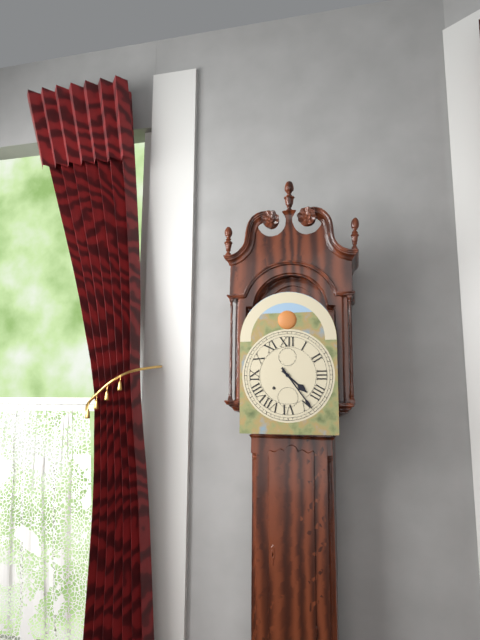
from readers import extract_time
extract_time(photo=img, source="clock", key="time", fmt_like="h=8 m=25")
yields h=4 m=24
